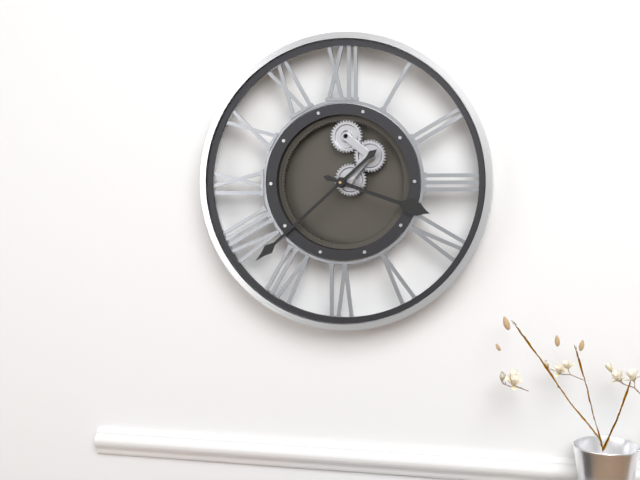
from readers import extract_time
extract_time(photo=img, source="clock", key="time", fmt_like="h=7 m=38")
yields h=3 m=38
